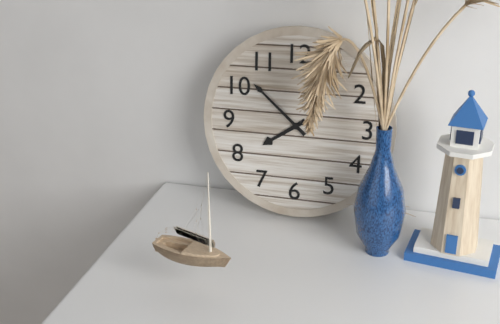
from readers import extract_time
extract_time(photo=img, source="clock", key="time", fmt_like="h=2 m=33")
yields h=7 m=52
